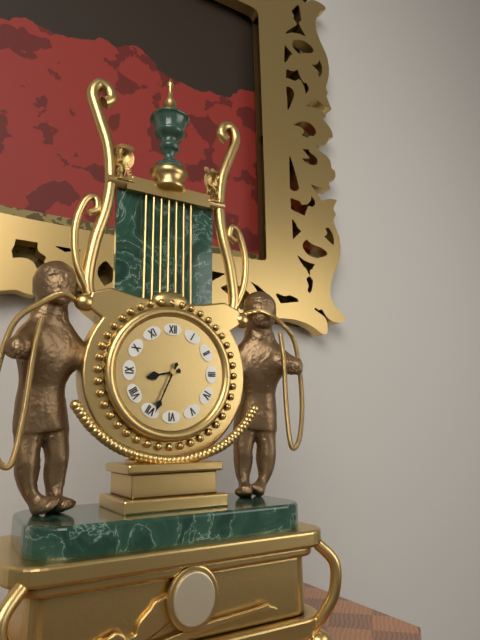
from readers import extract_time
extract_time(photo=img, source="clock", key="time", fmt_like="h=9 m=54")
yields h=8 m=34
